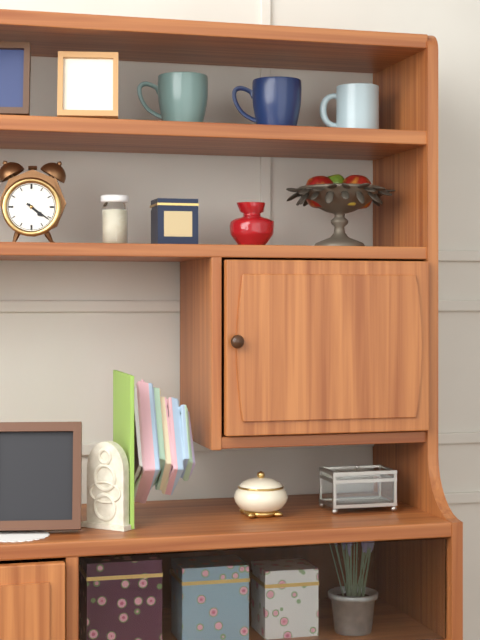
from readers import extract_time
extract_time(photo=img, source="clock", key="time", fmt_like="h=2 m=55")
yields h=4 m=21
